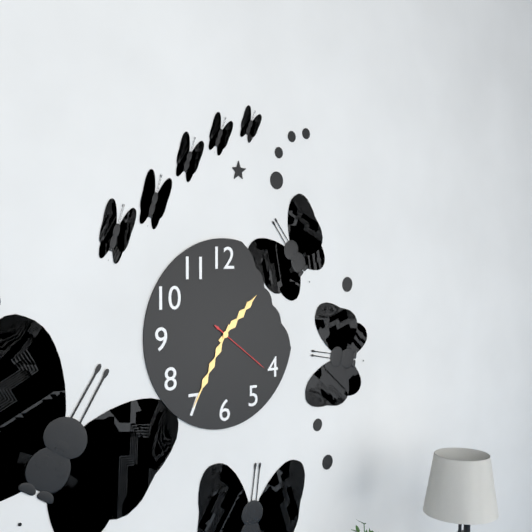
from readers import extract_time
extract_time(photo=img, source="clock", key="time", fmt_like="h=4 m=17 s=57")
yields h=1 m=35 s=21
